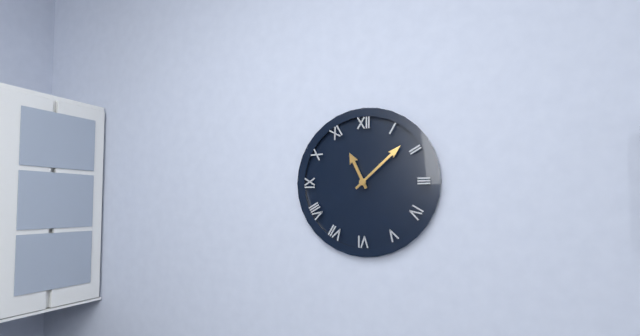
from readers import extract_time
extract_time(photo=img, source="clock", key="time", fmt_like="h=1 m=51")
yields h=11 m=8
